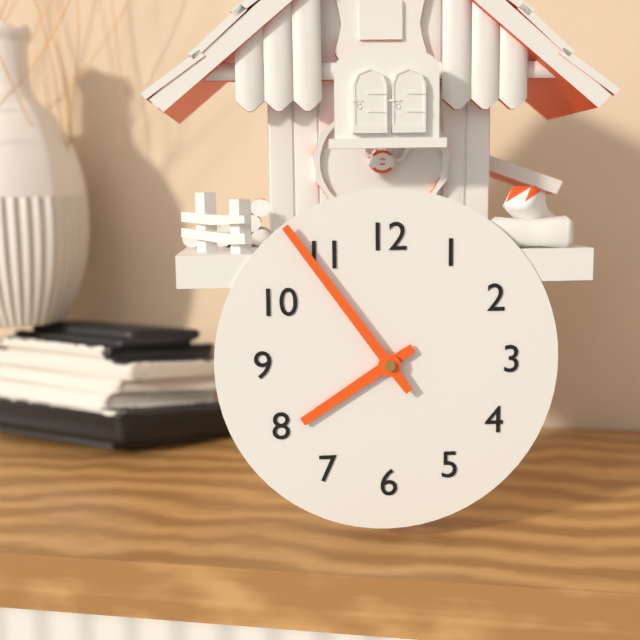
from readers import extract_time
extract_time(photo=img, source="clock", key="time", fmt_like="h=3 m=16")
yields h=7 m=54
